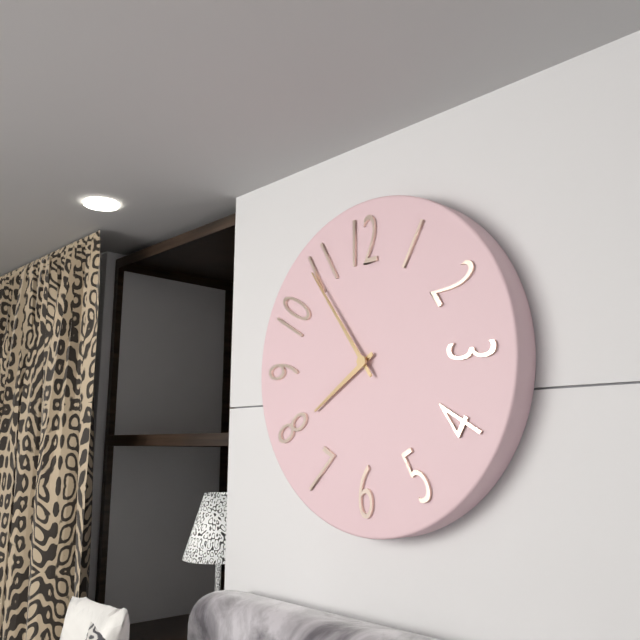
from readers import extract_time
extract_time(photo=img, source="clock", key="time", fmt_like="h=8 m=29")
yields h=7 m=54
